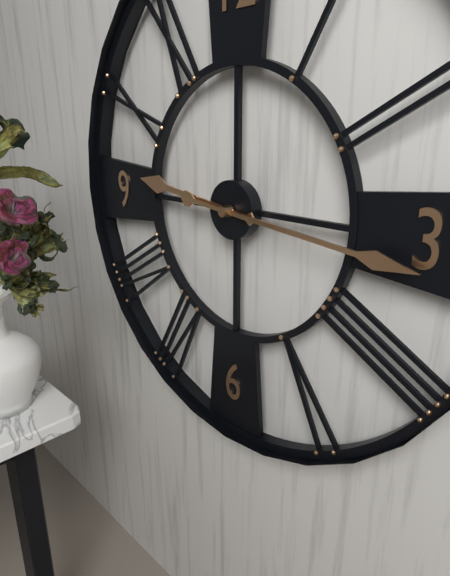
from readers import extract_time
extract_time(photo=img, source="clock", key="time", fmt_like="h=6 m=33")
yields h=9 m=16
